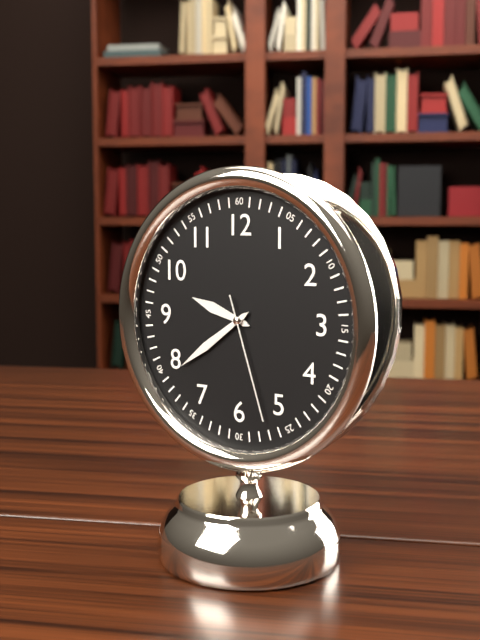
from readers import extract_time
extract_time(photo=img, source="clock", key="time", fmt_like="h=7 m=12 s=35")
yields h=9 m=39 s=27
